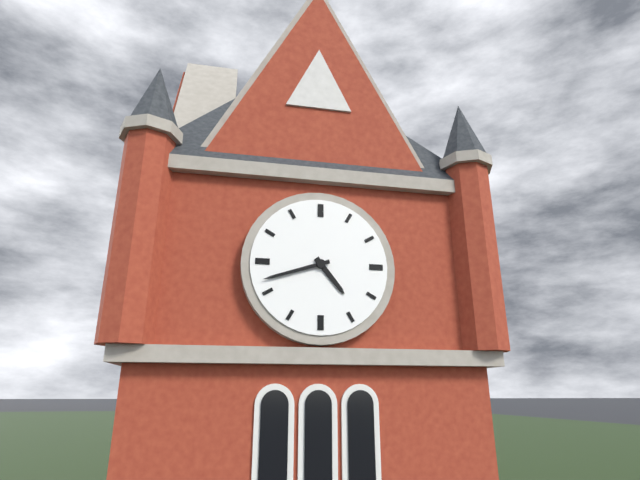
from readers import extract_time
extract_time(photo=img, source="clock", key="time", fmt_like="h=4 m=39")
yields h=4 m=42
